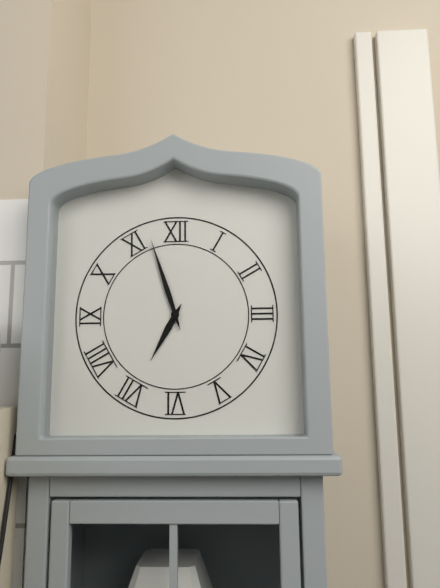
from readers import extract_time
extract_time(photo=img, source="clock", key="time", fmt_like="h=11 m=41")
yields h=6 m=57
